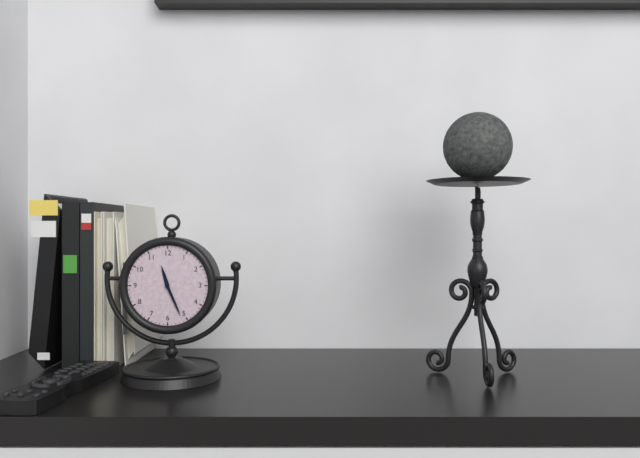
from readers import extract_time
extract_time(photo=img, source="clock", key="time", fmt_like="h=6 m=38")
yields h=11 m=26
